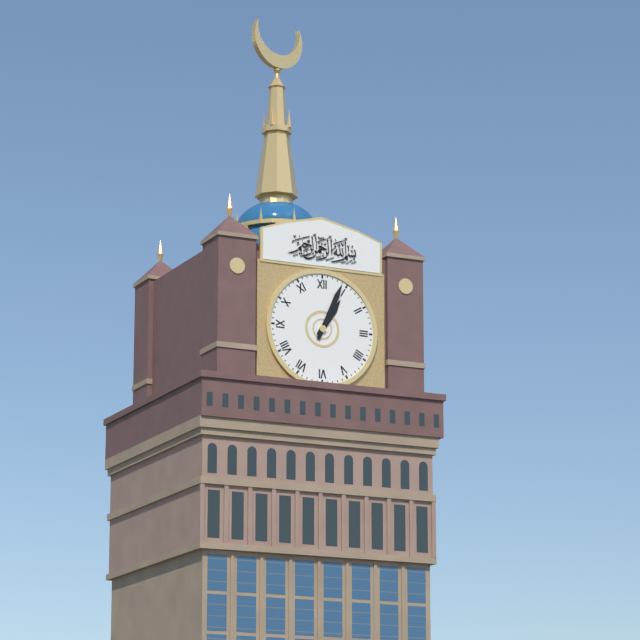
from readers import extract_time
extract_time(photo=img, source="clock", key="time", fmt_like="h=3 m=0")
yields h=1 m=4
